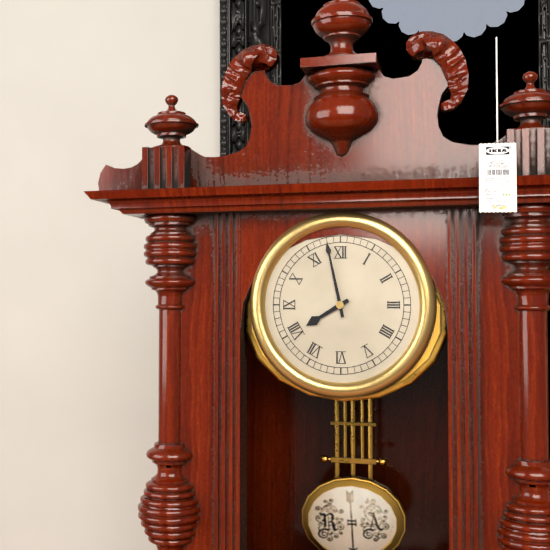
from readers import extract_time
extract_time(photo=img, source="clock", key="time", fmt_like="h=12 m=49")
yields h=7 m=58
